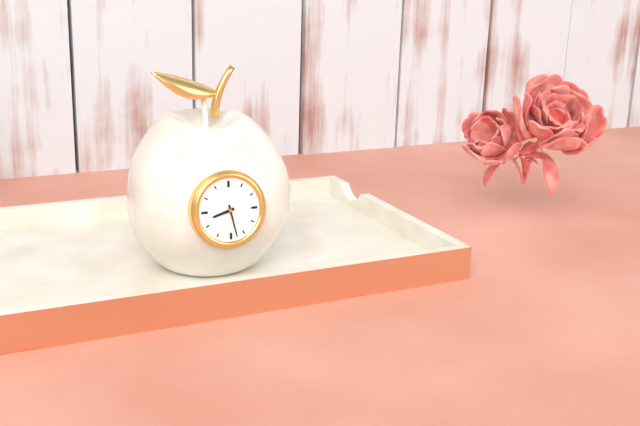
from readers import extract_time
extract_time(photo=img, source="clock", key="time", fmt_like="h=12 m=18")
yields h=8 m=28
